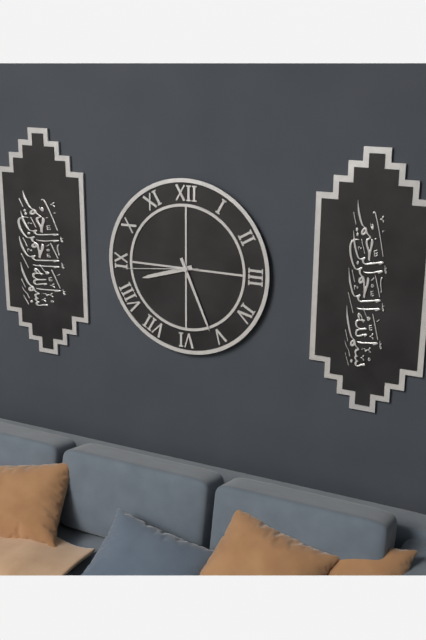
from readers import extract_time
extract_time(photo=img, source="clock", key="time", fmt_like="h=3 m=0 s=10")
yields h=8 m=26 s=44
